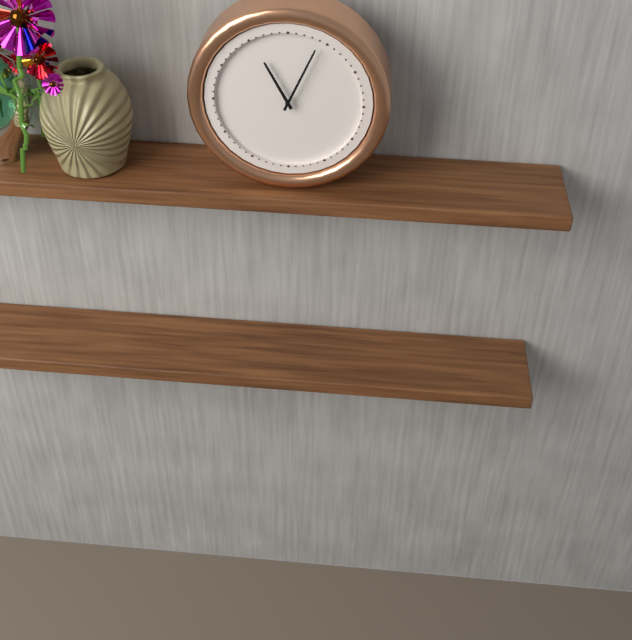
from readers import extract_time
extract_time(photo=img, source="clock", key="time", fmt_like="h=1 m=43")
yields h=11 m=4
